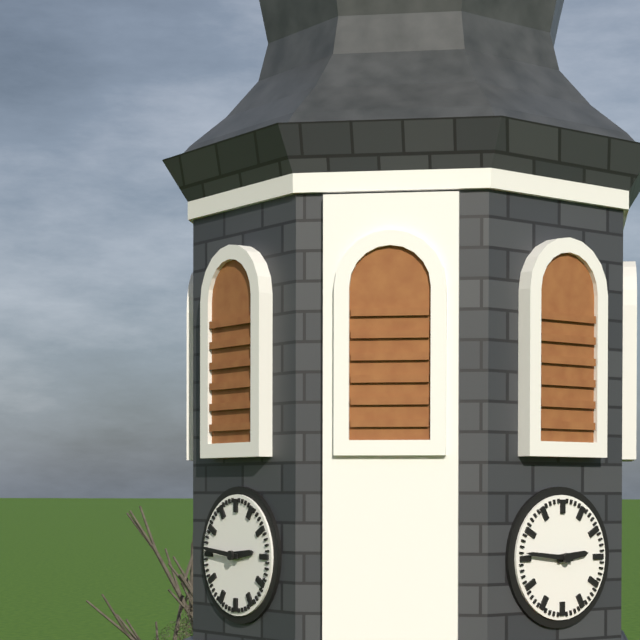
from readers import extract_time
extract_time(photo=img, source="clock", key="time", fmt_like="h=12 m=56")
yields h=2 m=46
